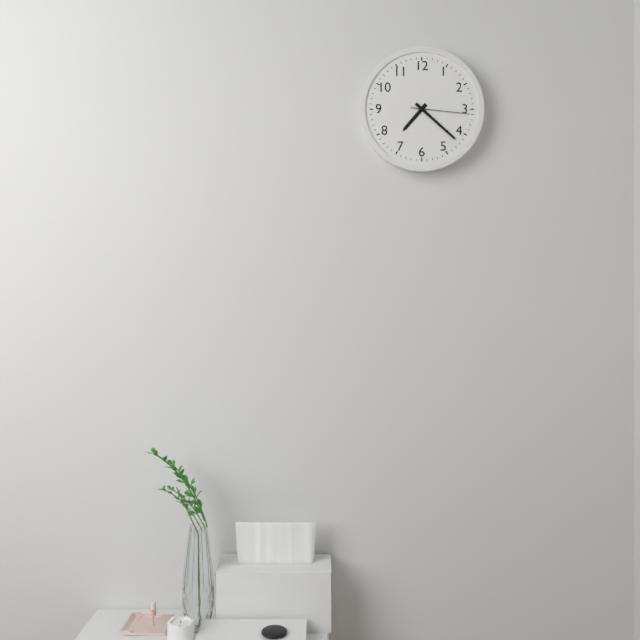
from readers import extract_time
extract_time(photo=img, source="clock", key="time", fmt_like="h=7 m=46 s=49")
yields h=7 m=22 s=16
